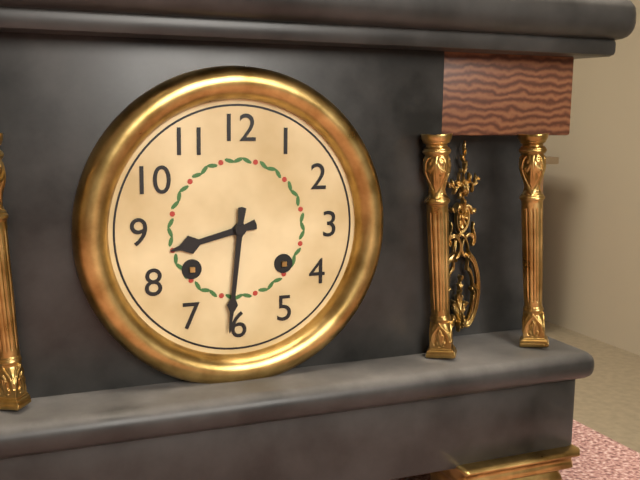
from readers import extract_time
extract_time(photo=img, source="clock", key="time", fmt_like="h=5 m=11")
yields h=8 m=31
